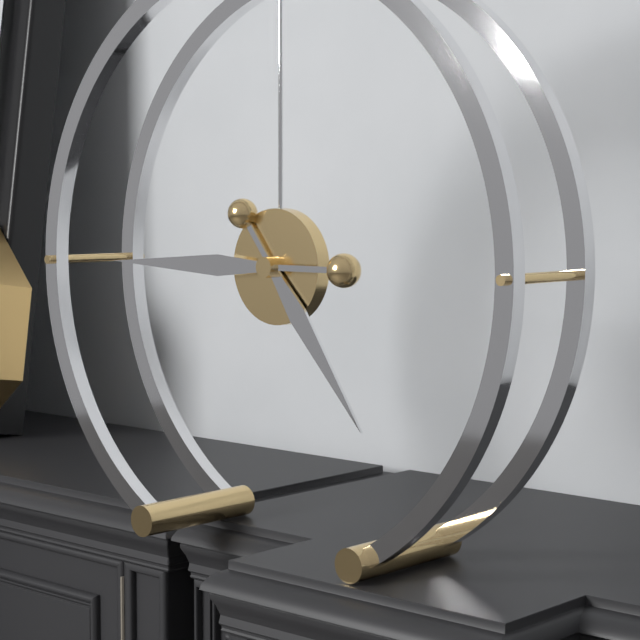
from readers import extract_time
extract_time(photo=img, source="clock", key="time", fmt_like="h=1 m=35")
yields h=4 m=45
